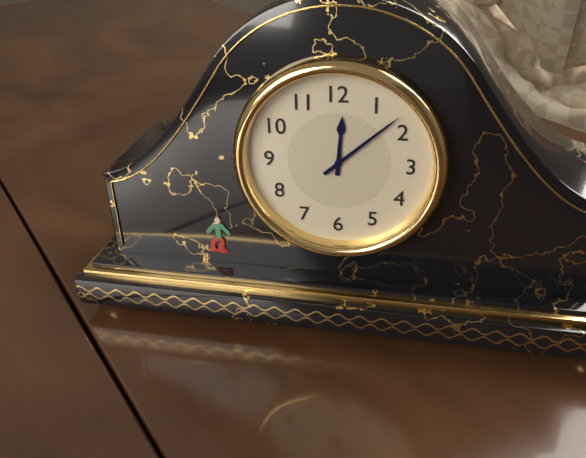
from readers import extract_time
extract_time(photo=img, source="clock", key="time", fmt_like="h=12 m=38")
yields h=12 m=8
